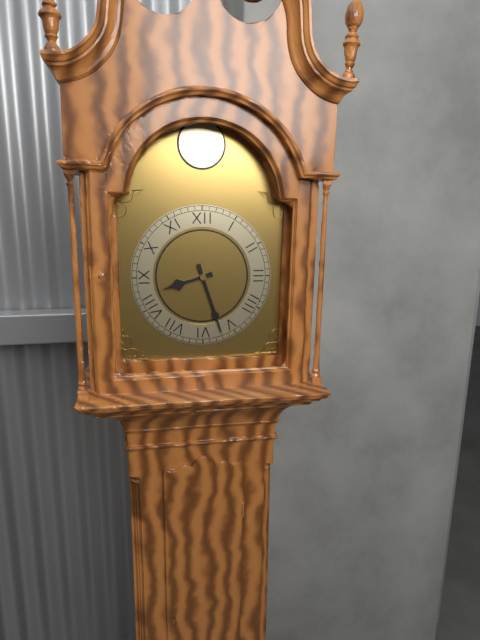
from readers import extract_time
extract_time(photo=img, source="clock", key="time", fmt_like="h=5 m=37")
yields h=8 m=27
